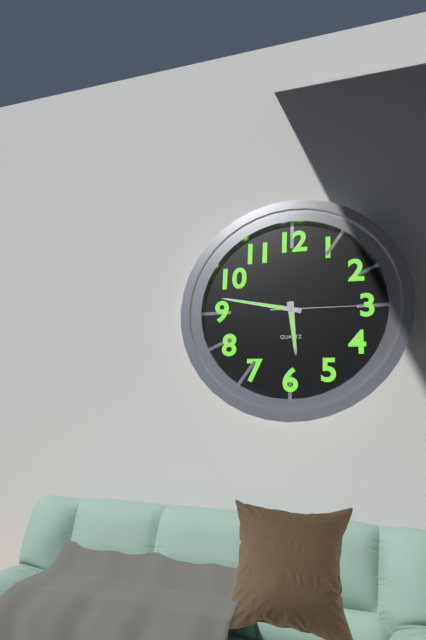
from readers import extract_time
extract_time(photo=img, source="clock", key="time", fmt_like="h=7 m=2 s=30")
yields h=5 m=47 s=15
